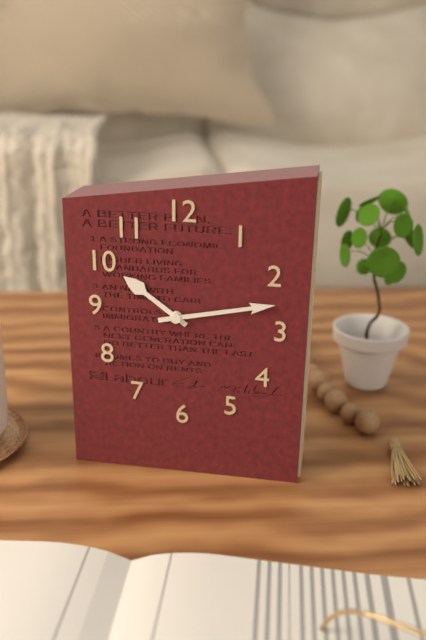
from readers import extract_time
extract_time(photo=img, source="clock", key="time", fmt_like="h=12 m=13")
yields h=10 m=13
